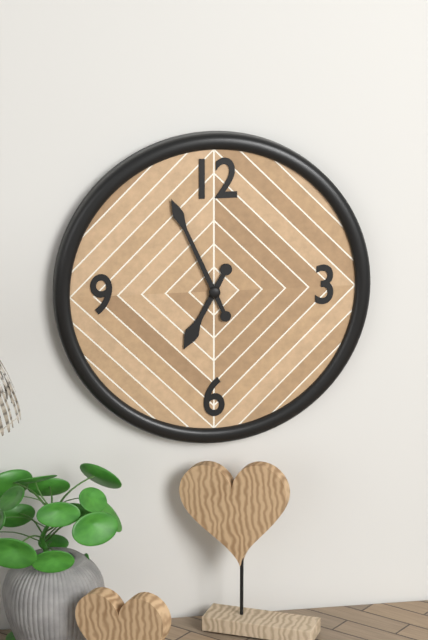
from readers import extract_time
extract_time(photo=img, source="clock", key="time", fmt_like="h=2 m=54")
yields h=6 m=56
